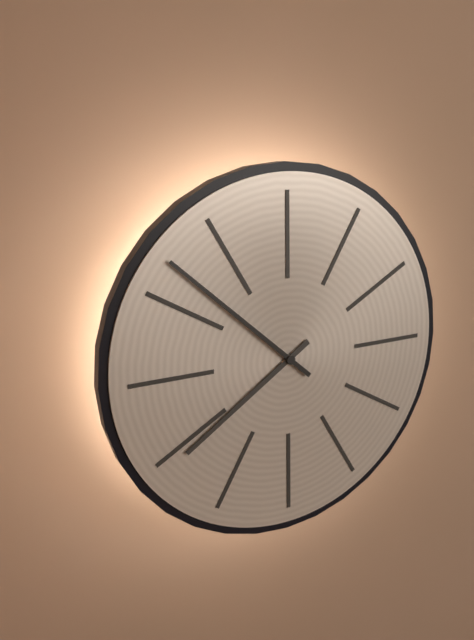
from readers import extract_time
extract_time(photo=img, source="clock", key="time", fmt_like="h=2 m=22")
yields h=7 m=52
